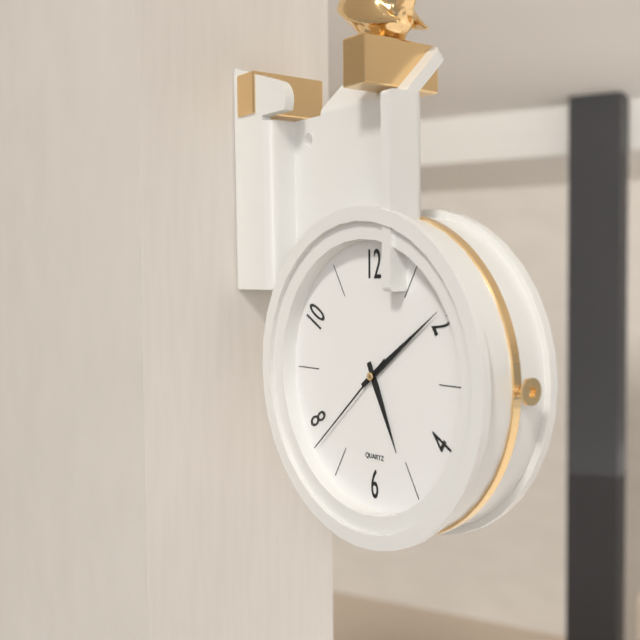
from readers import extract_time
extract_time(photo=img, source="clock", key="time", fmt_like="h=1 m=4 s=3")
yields h=5 m=9 s=38
